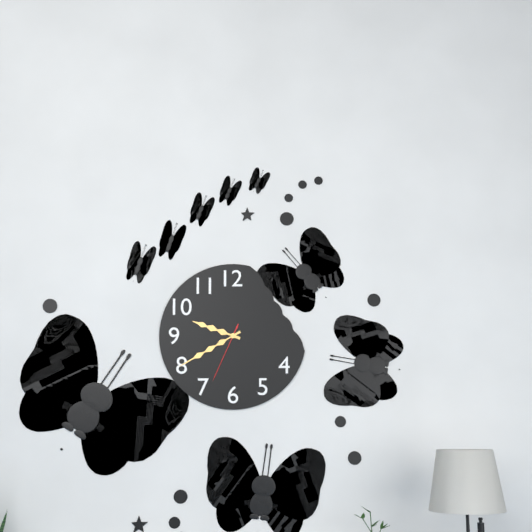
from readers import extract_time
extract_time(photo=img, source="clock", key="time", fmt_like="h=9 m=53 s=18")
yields h=9 m=40 s=34
